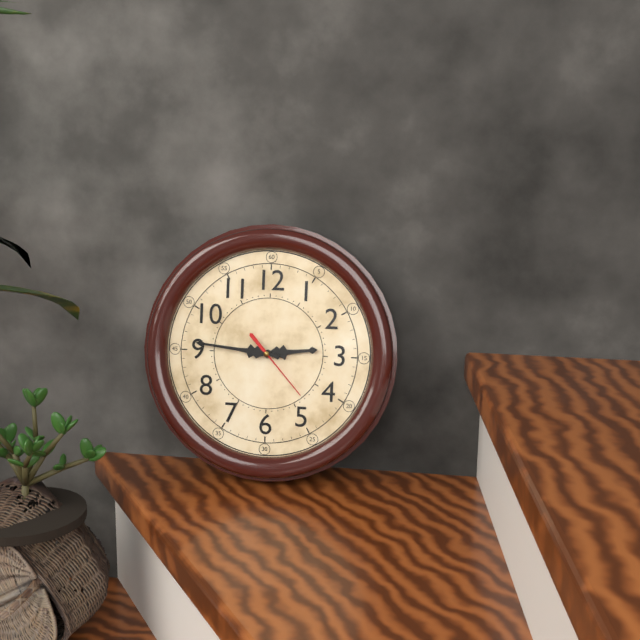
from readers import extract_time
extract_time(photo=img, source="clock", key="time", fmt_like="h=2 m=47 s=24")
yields h=2 m=46 s=23
